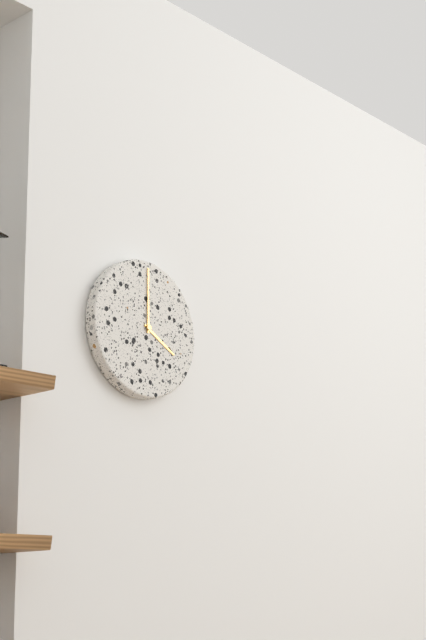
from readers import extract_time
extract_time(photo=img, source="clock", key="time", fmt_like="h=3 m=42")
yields h=4 m=0
